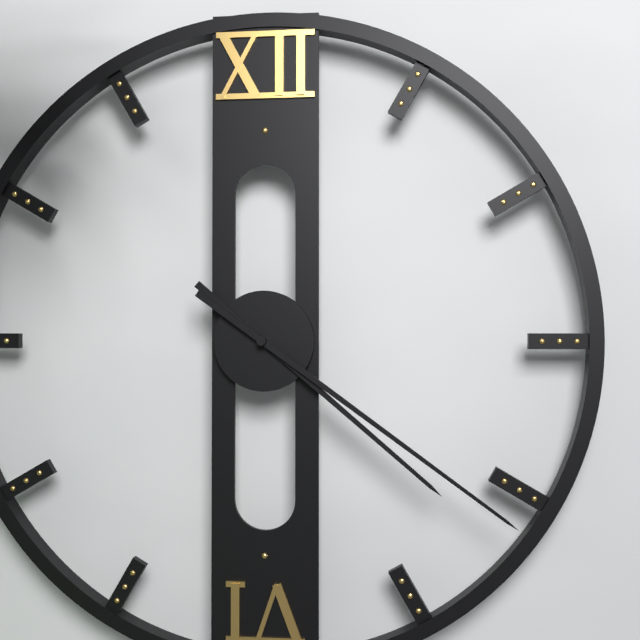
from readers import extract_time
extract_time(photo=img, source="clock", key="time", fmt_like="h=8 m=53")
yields h=4 m=21
